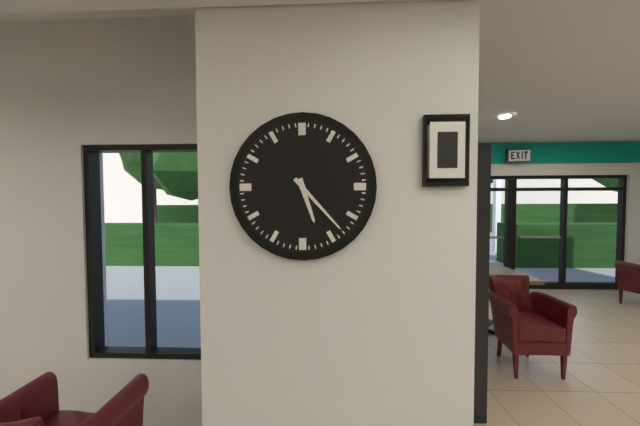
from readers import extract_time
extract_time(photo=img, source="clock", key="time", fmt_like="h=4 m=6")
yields h=5 m=23
